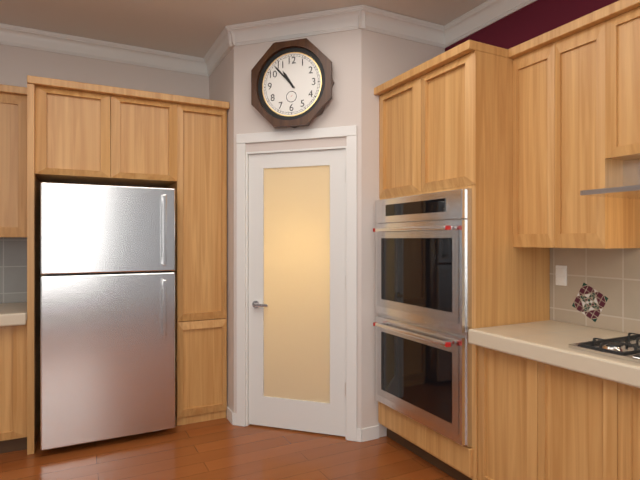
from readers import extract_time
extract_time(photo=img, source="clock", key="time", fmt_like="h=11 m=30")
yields h=10 m=53
